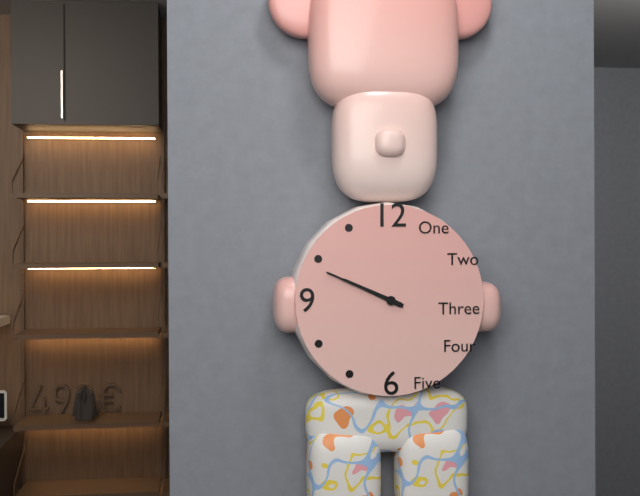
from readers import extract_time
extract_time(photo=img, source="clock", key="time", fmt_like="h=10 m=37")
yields h=9 m=49
